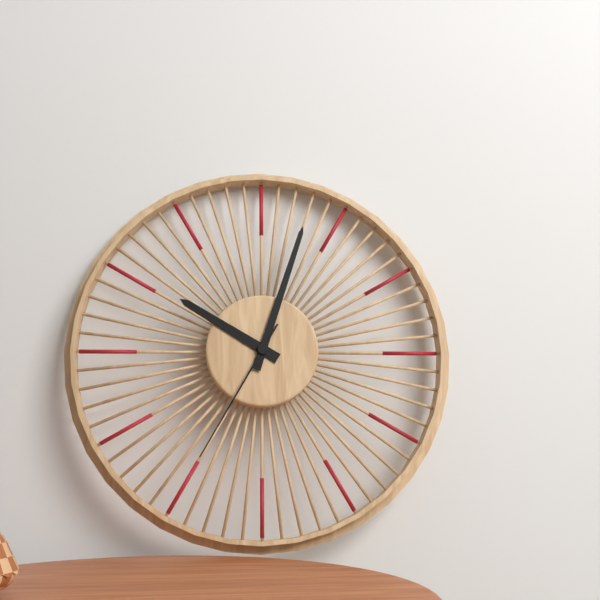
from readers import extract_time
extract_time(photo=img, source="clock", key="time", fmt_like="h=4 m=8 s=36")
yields h=10 m=3 s=35
